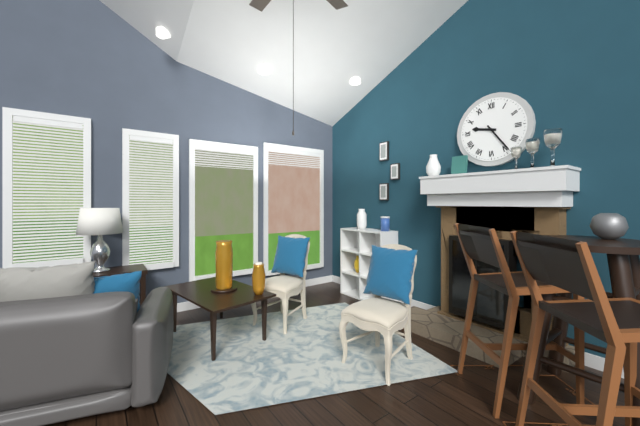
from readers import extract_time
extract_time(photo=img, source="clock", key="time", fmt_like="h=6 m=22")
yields h=9 m=24
